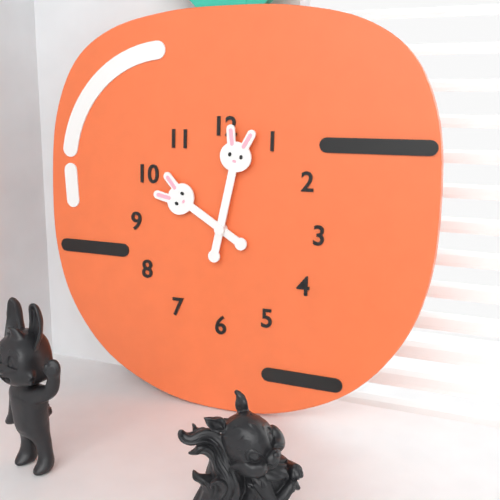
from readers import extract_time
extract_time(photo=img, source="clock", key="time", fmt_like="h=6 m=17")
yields h=10 m=2
